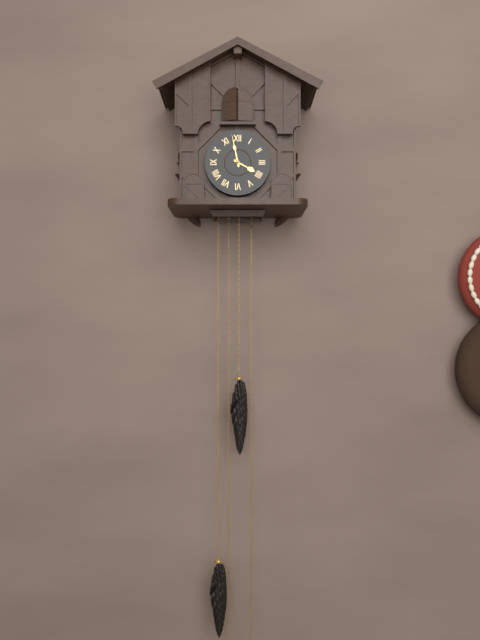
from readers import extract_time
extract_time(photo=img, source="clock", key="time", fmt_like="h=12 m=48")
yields h=3 m=58
